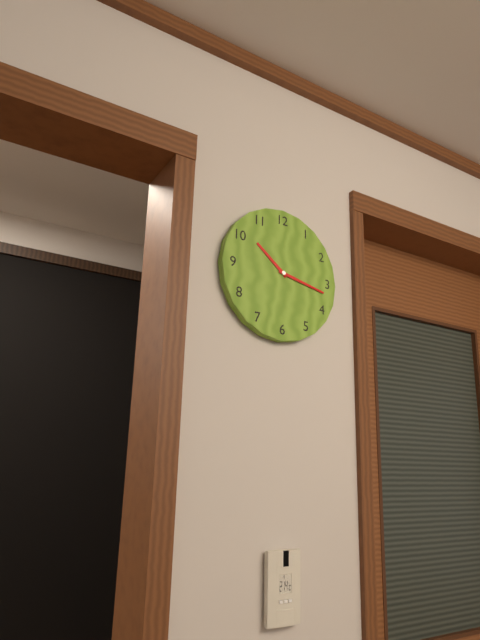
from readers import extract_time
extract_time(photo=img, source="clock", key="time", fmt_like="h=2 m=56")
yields h=10 m=17
